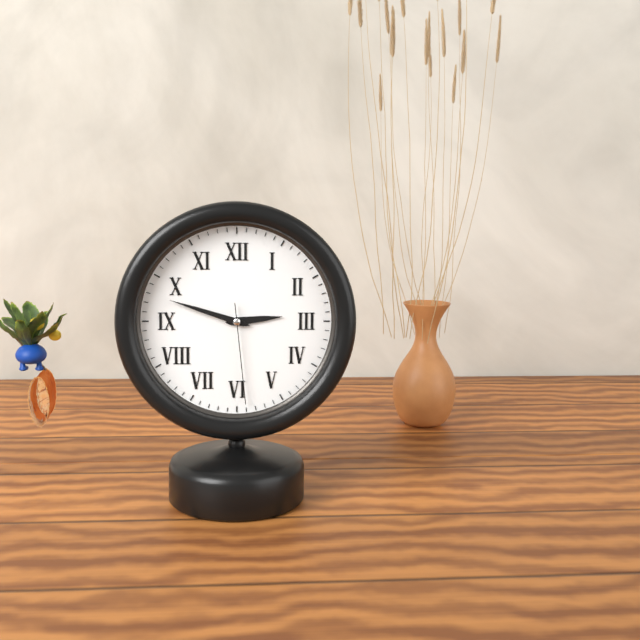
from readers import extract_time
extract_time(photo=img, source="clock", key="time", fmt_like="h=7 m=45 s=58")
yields h=2 m=48 s=29
